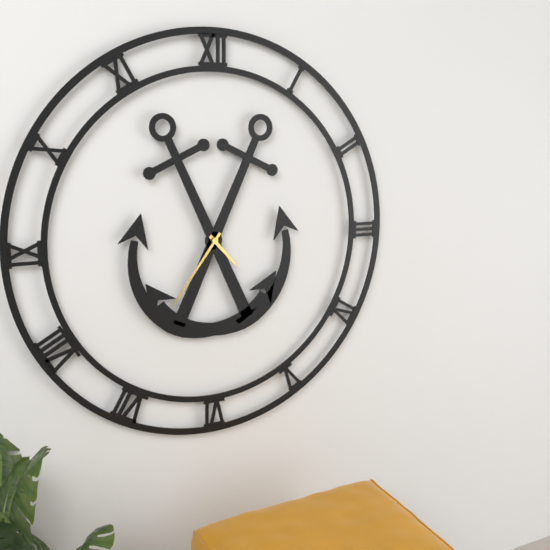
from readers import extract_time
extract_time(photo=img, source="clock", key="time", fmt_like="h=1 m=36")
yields h=4 m=36
